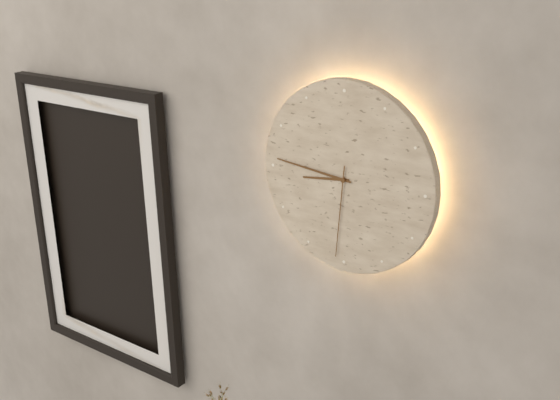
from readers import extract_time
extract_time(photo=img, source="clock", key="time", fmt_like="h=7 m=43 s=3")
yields h=8 m=46 s=31
